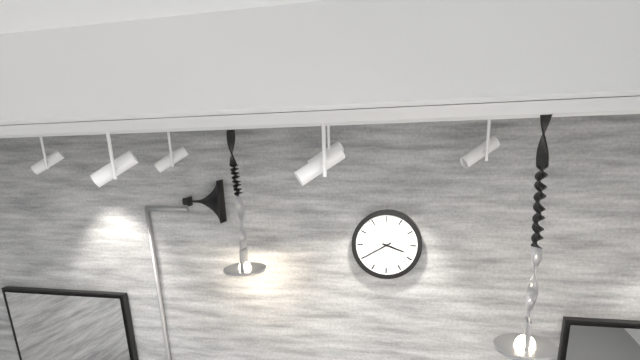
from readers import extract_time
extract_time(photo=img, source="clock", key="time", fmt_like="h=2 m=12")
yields h=3 m=40
